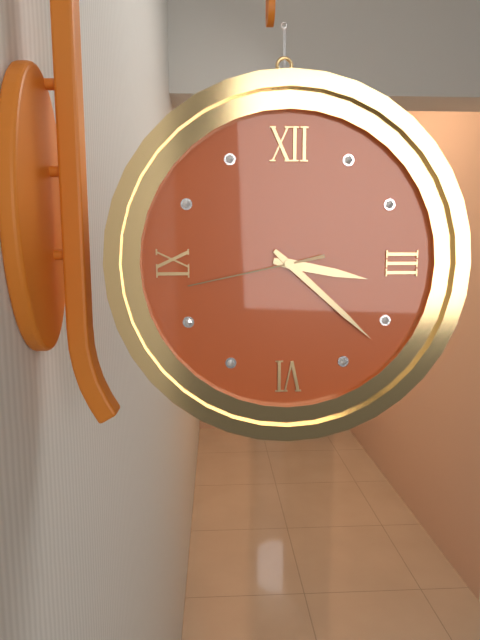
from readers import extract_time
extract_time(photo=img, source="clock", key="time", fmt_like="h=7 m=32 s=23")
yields h=3 m=22 s=43
